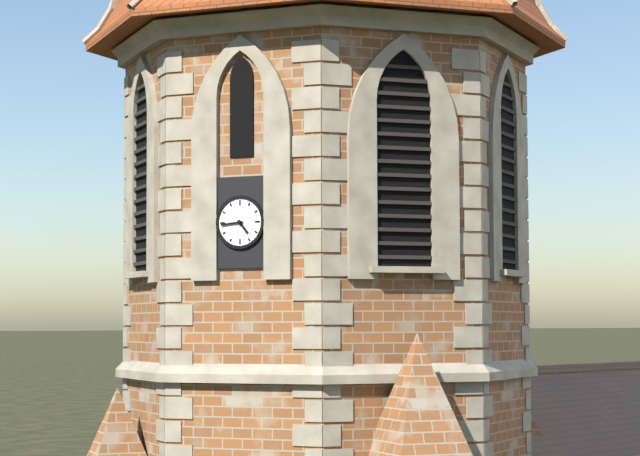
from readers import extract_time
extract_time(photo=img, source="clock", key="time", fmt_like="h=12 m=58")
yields h=4 m=44
